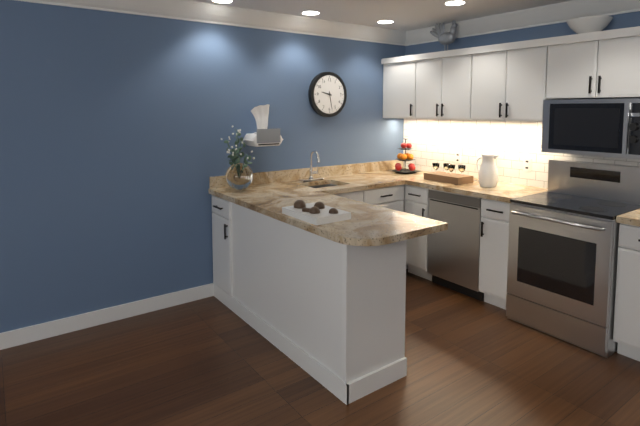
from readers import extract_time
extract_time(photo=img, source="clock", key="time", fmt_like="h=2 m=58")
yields h=9 m=28
